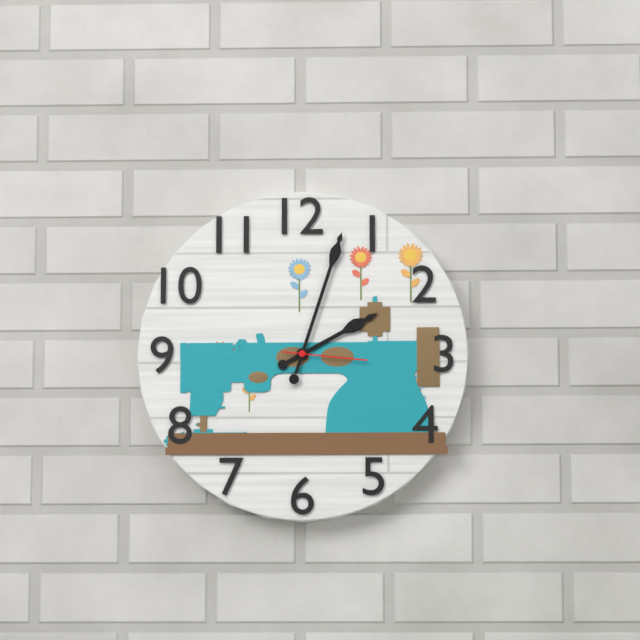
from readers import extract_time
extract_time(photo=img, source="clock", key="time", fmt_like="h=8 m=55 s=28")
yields h=2 m=3 s=16
